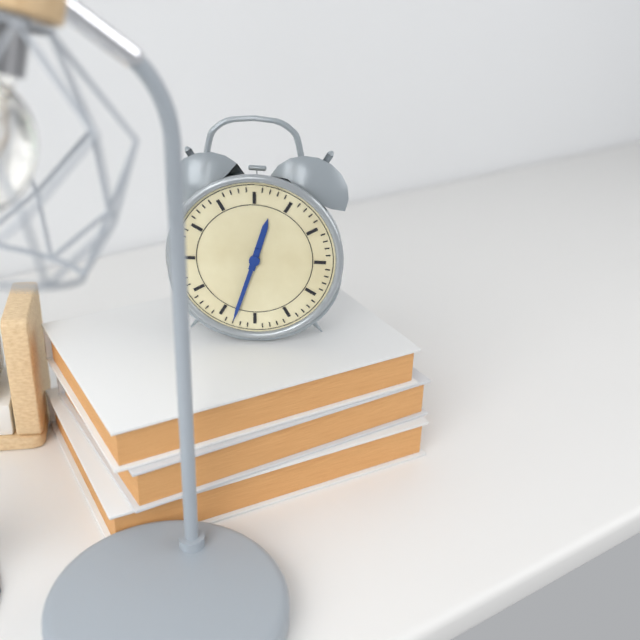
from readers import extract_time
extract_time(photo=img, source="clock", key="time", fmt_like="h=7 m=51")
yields h=12 m=33
